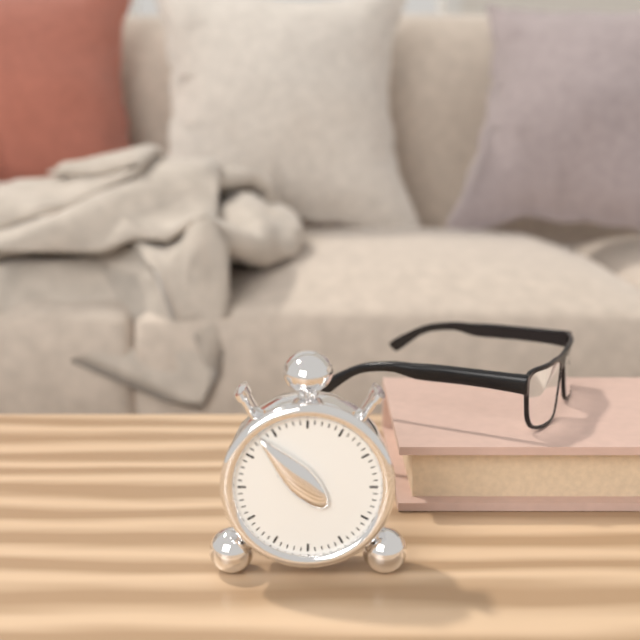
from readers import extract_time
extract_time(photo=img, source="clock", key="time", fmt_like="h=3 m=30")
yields h=9 m=53
